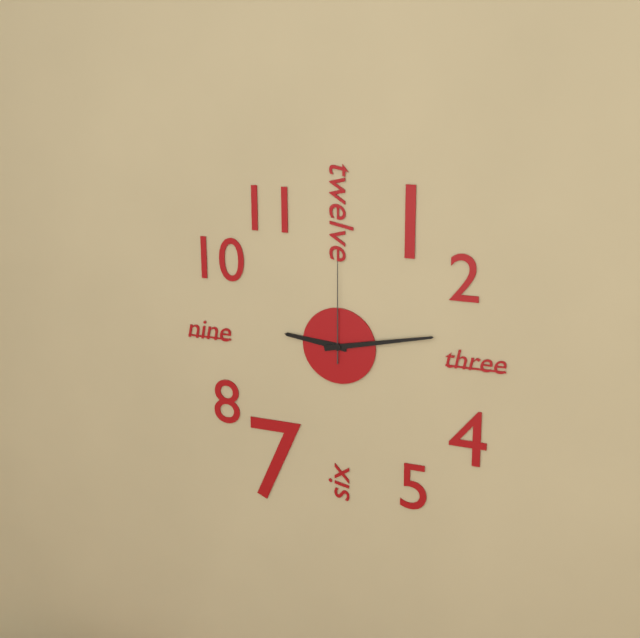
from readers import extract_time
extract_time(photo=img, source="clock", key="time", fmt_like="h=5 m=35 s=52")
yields h=9 m=13 s=0
